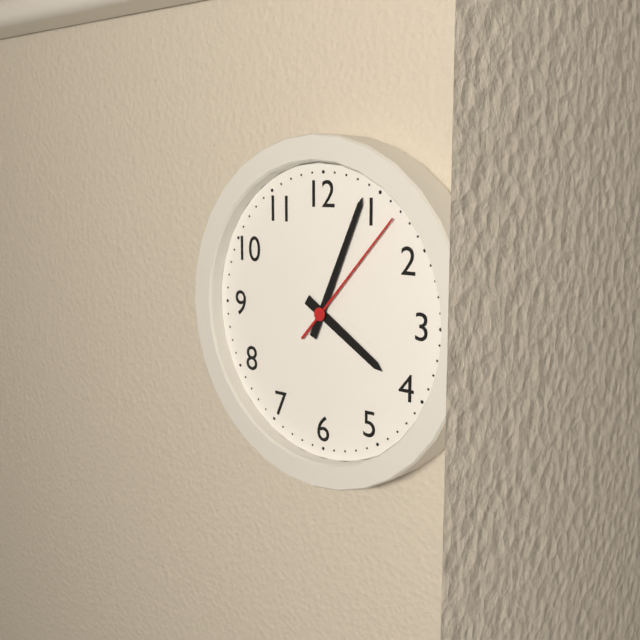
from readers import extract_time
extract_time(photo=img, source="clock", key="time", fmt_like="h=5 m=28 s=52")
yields h=4 m=4 s=7
